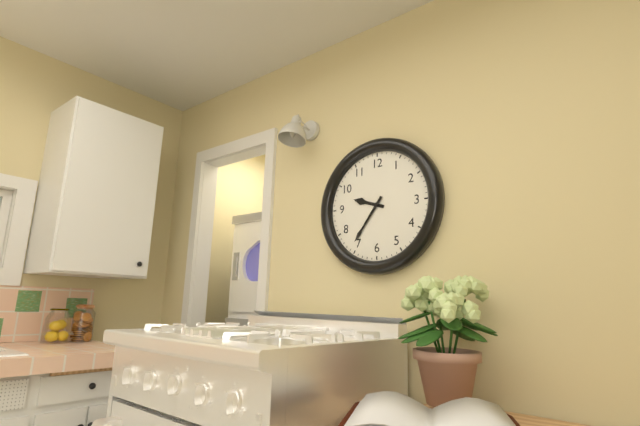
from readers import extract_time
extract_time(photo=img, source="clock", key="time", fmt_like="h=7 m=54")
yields h=9 m=36
